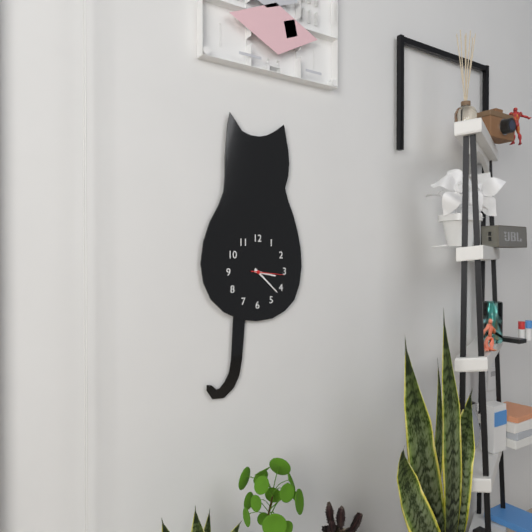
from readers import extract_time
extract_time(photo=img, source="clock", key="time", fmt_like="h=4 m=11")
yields h=3 m=22
